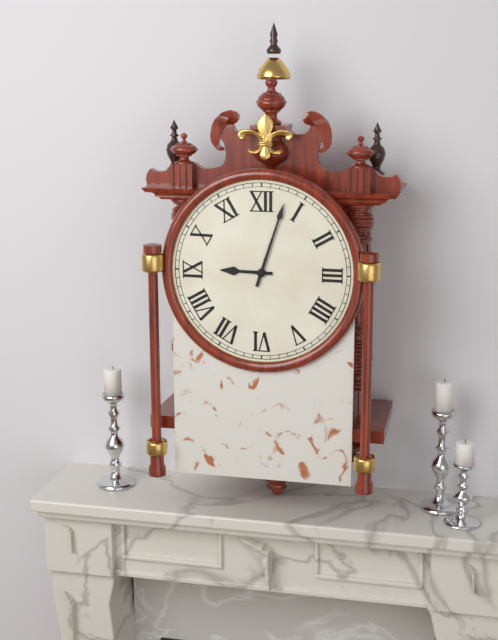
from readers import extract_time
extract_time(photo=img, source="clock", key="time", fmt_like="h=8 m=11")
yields h=9 m=3
